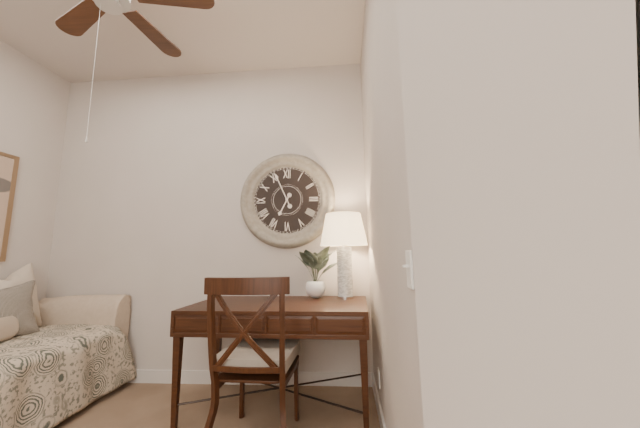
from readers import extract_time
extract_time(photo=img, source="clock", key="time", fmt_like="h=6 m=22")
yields h=6 m=56
